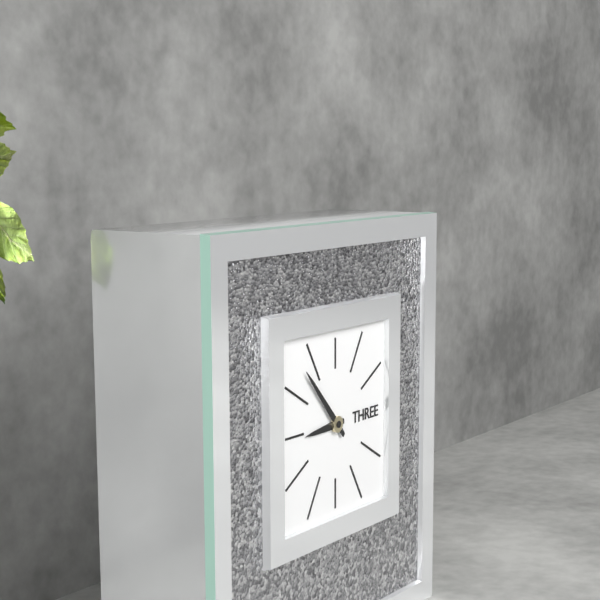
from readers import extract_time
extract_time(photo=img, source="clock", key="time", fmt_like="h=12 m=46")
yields h=8 m=53
